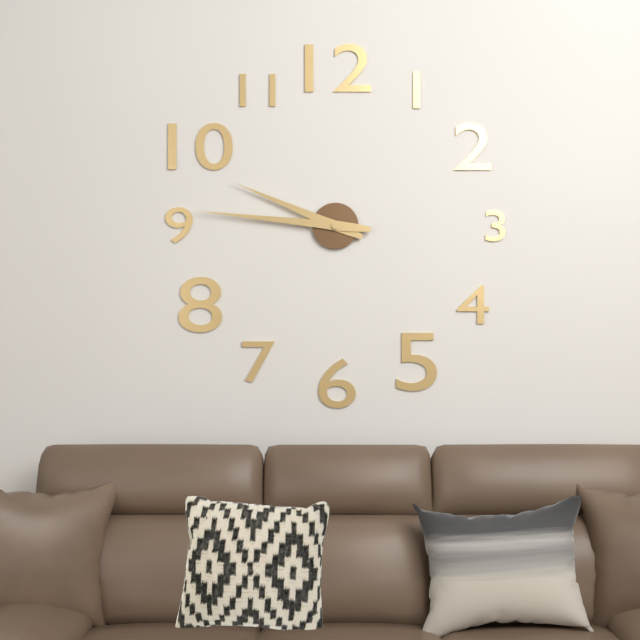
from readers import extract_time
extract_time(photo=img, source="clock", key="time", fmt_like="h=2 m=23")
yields h=9 m=46
